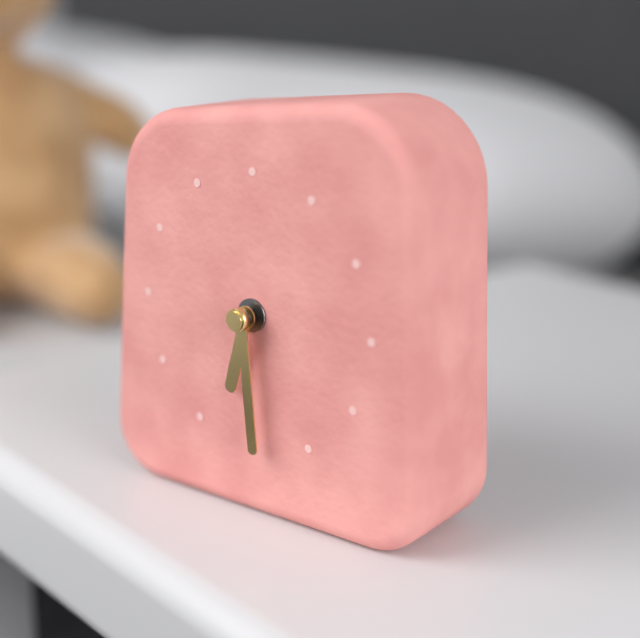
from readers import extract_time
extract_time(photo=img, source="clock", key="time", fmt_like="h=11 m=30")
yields h=6 m=29
